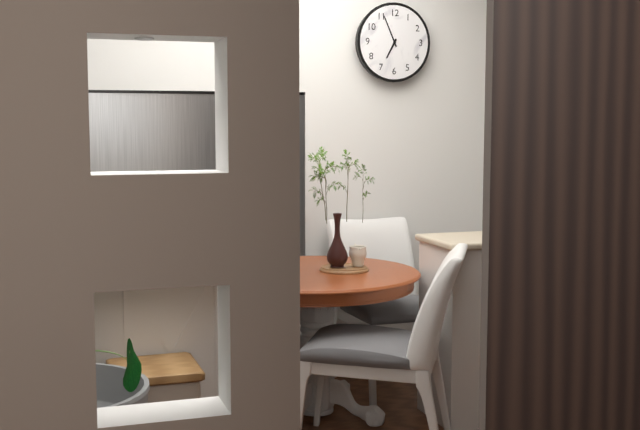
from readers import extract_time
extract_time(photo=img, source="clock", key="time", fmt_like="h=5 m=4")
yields h=6 m=56
